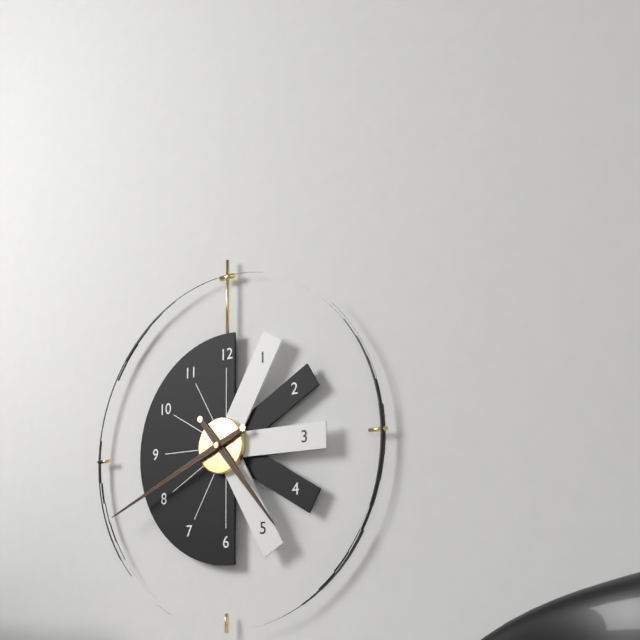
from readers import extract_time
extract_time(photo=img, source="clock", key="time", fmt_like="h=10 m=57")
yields h=4 m=41
